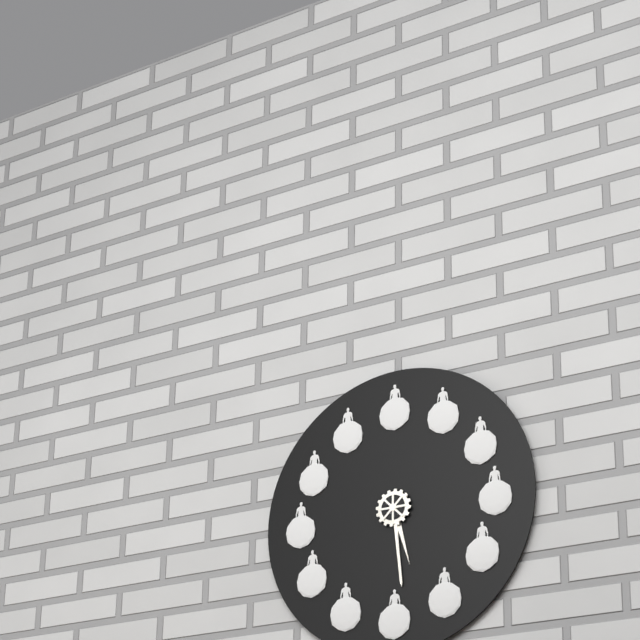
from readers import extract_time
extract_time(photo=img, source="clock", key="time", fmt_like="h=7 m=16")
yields h=5 m=29
